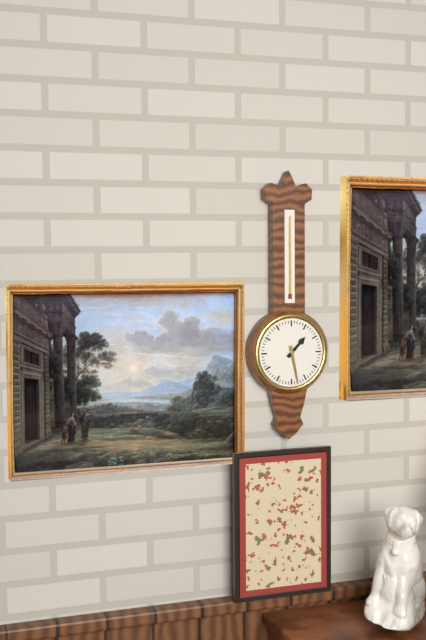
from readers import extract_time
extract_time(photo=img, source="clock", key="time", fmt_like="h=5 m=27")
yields h=1 m=28
